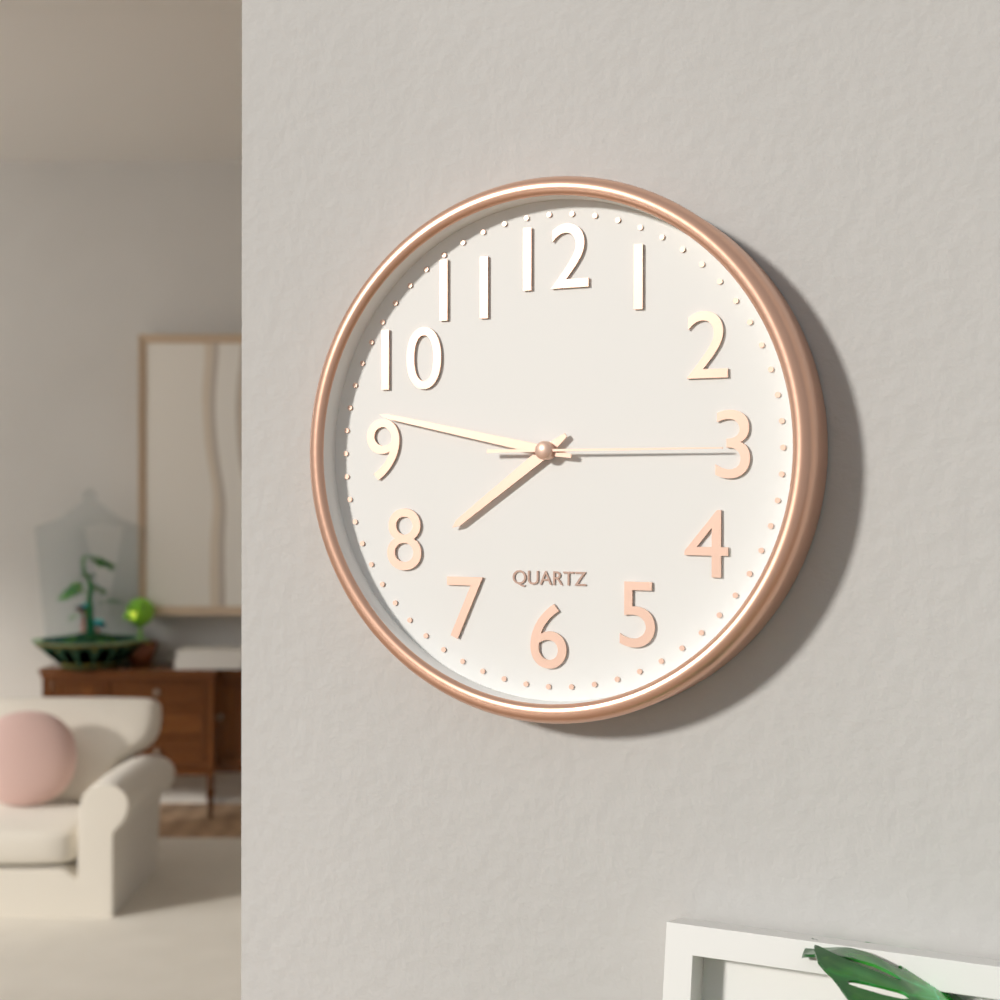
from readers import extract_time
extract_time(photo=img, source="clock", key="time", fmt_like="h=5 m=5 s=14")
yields h=7 m=47 s=15
